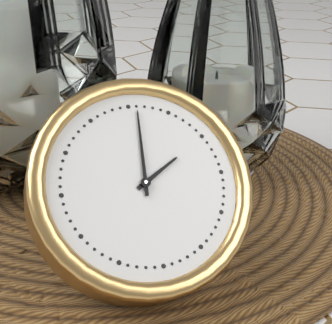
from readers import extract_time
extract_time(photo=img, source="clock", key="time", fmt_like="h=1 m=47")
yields h=2 m=1
